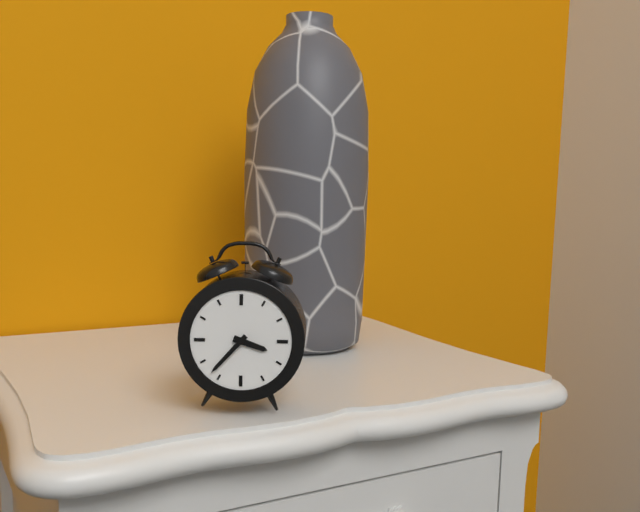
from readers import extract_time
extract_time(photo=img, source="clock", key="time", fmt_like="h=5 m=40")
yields h=3 m=37
